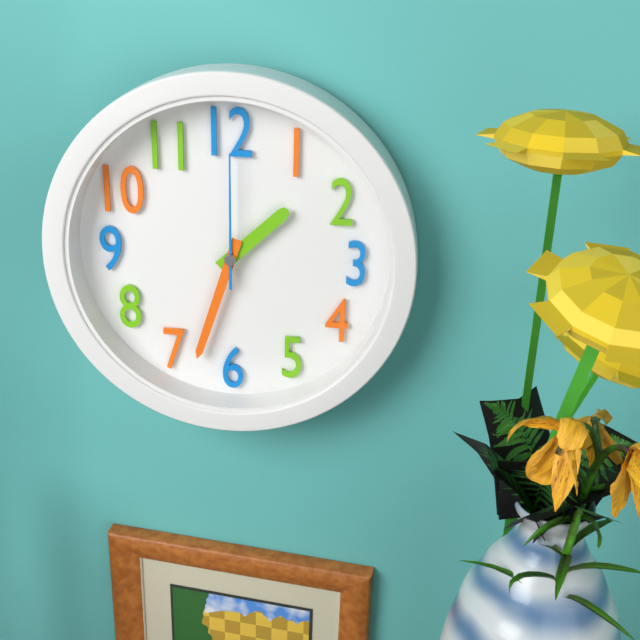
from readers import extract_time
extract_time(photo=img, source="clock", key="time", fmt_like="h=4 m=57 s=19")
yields h=1 m=33 s=0
